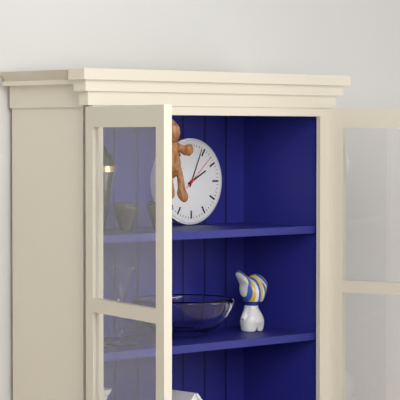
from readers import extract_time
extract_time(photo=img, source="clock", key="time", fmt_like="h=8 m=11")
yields h=2 m=4
